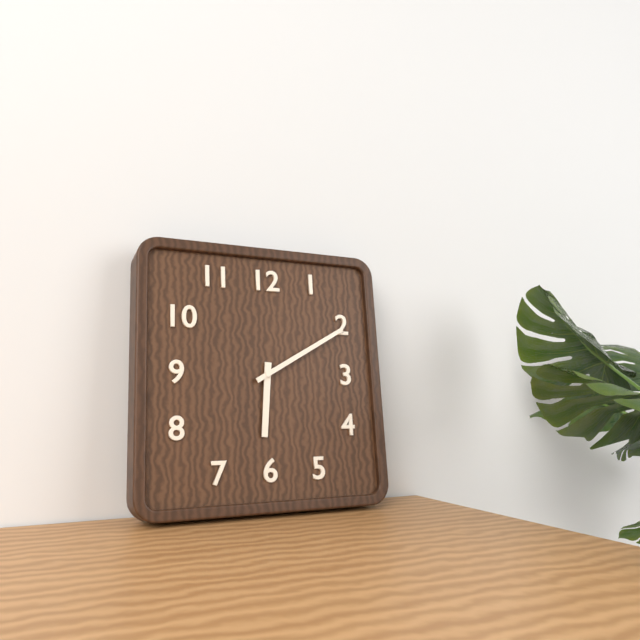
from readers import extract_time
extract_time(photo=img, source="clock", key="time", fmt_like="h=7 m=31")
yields h=6 m=10
